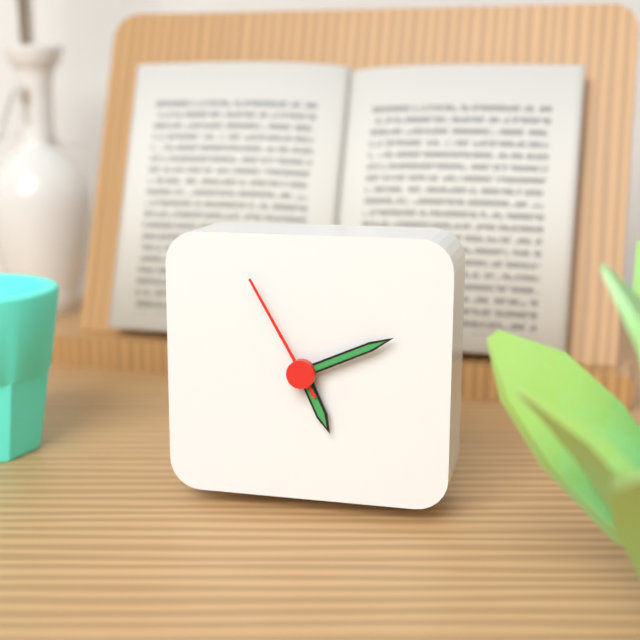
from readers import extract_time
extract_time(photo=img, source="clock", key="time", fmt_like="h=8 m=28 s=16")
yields h=5 m=11 s=55
